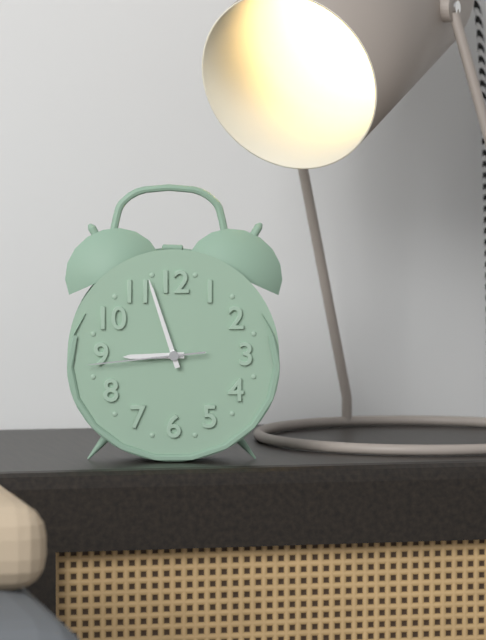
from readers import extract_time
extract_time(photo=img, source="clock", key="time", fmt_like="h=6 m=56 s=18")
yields h=8 m=57 s=44
